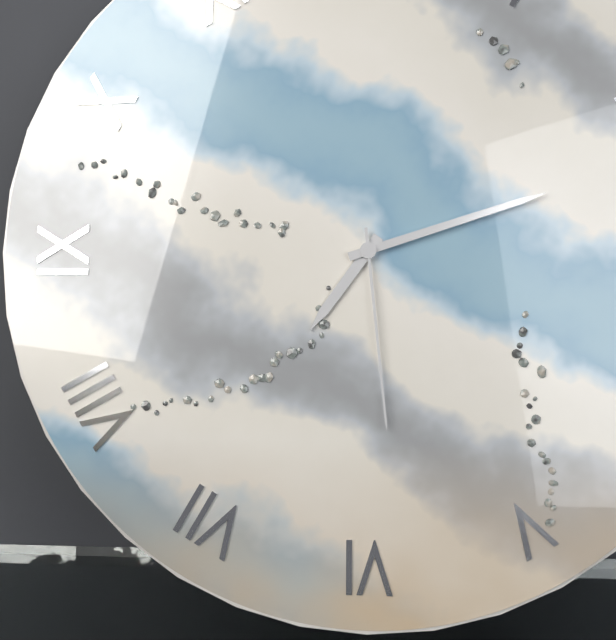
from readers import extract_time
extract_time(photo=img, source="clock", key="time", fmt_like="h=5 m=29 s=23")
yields h=7 m=12 s=29
